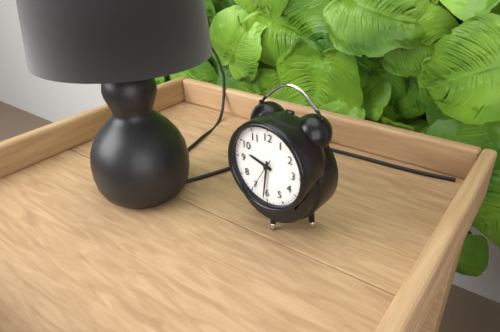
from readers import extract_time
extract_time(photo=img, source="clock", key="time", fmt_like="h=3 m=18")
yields h=9 m=31
